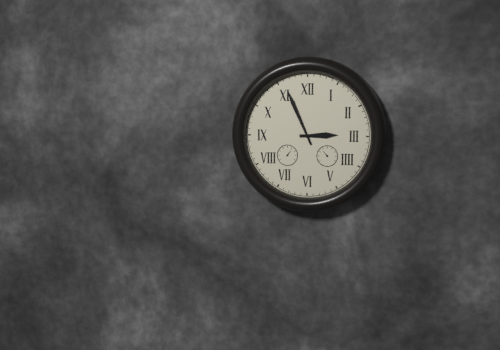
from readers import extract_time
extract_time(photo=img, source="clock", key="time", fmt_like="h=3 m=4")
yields h=2 m=56
